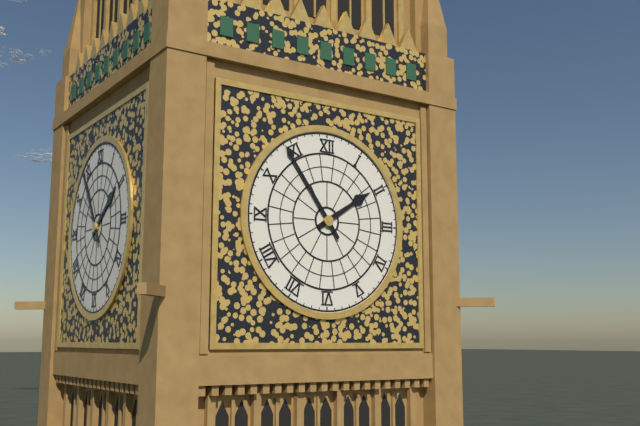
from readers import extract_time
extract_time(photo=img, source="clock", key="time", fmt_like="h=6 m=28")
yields h=1 m=54
